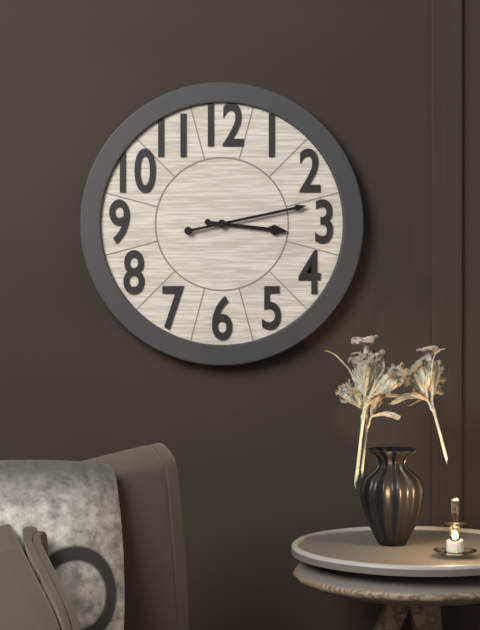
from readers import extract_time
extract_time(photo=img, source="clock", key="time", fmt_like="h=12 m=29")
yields h=3 m=13
